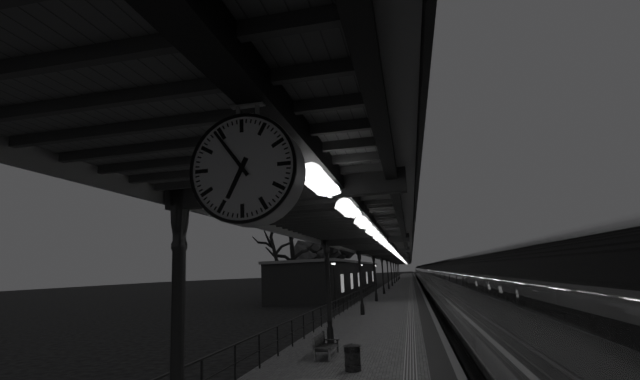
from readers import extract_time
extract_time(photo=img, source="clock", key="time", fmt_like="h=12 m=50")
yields h=6 m=54
